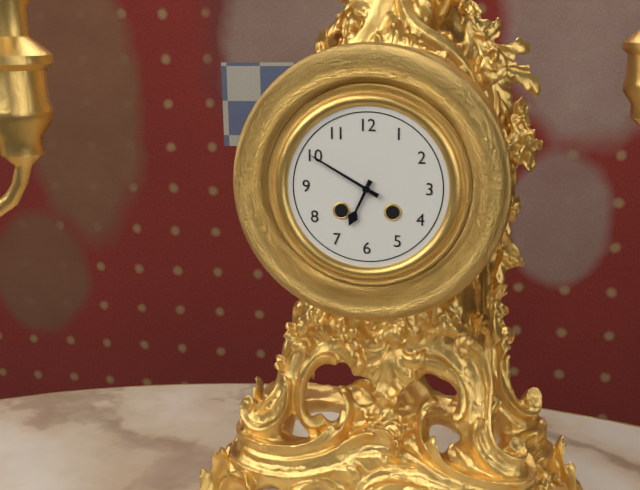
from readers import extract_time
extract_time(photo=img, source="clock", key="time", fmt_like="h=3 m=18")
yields h=6 m=50
